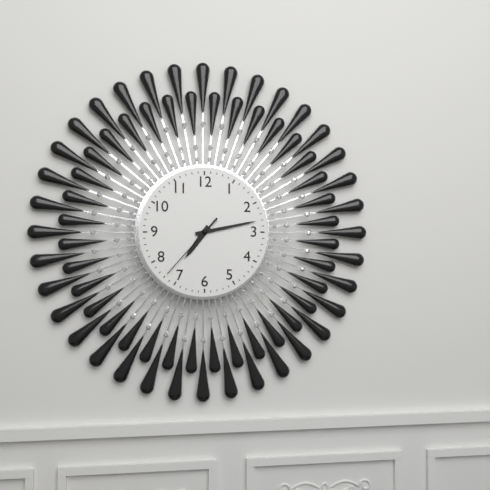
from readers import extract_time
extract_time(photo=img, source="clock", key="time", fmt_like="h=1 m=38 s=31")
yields h=7 m=13 s=37
